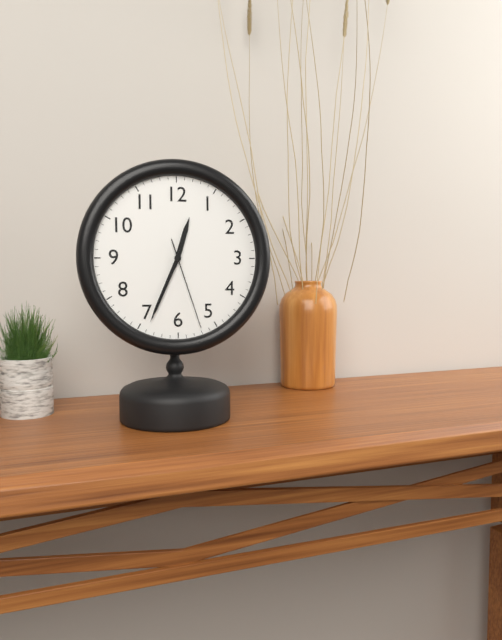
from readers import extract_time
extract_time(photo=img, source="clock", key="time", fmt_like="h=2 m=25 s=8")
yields h=12 m=34 s=27
